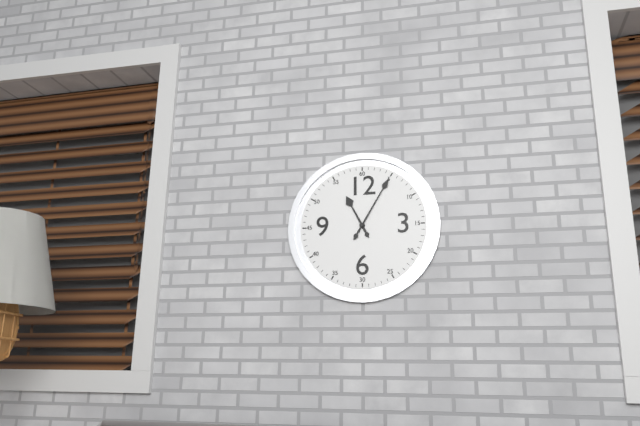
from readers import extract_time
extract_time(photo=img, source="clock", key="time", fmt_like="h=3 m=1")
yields h=11 m=5
